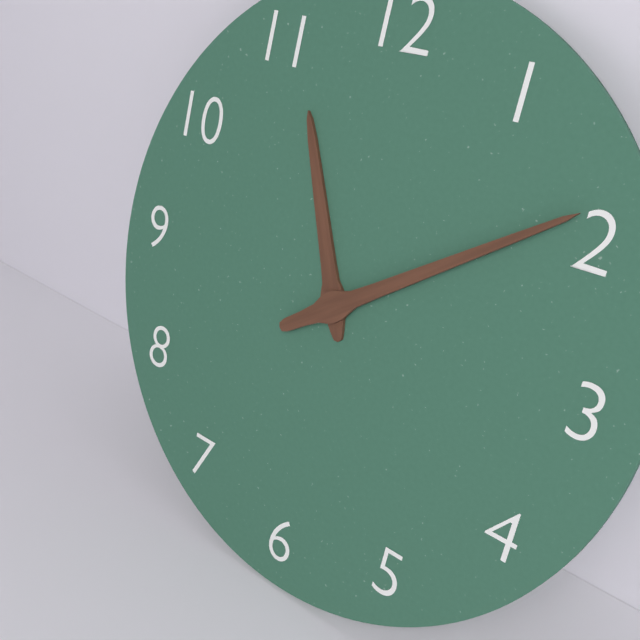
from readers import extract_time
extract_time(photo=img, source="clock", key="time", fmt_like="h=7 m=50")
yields h=11 m=9
